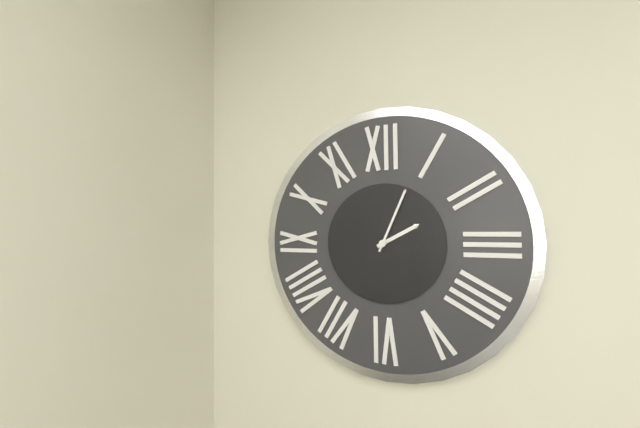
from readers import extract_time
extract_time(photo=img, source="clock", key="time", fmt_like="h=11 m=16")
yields h=2 m=4
